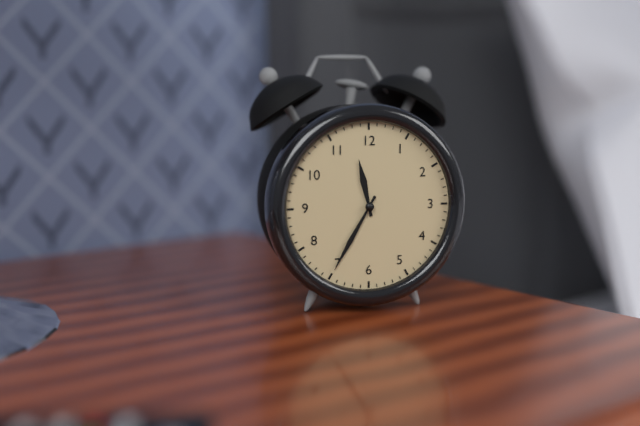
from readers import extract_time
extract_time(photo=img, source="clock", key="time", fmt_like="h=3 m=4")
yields h=11 m=35
